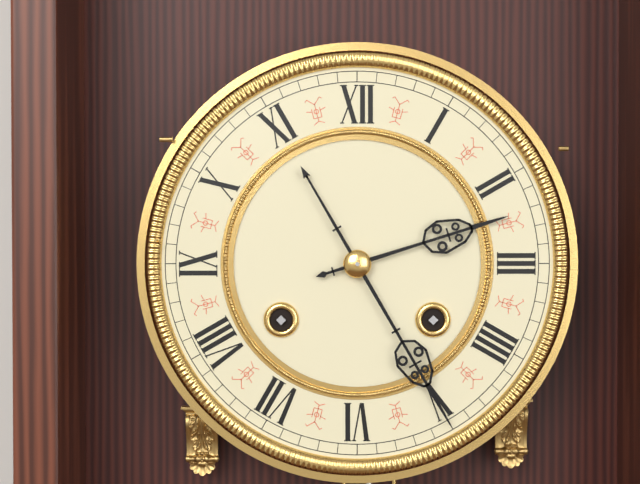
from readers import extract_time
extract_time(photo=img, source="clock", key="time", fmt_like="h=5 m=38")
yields h=2 m=25
